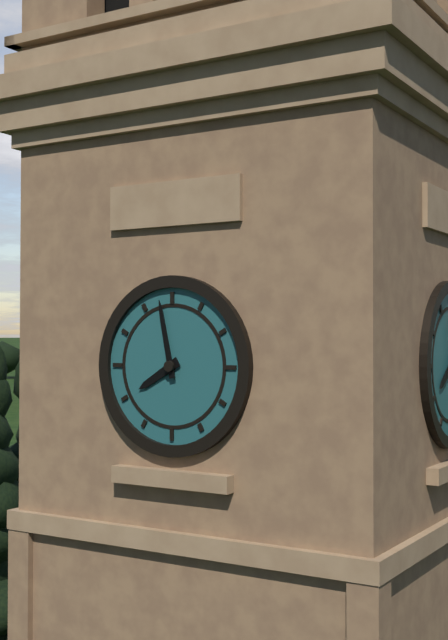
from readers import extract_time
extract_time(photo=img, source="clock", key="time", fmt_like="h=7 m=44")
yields h=7 m=58
